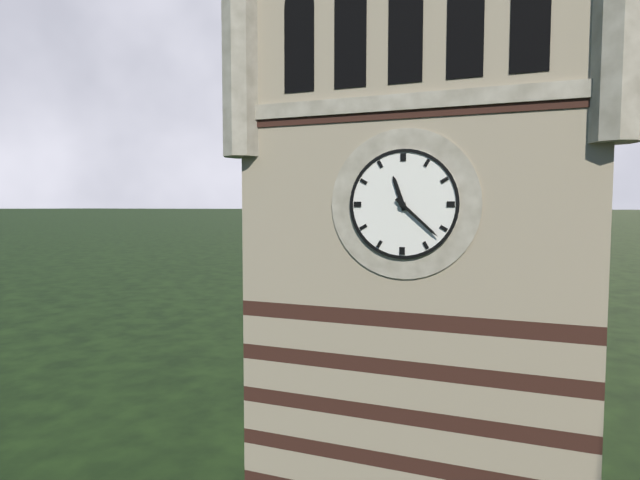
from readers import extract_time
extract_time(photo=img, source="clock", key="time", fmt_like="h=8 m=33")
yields h=11 m=22
